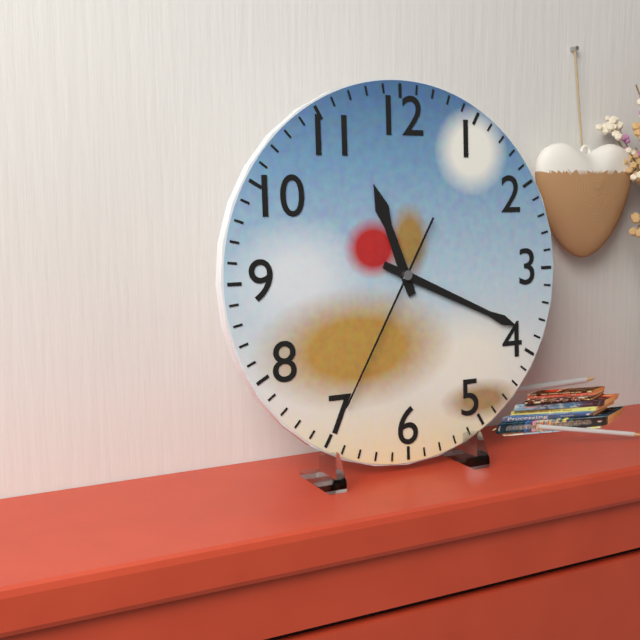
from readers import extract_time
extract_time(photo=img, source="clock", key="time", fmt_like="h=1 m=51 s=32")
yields h=11 m=19 s=35
